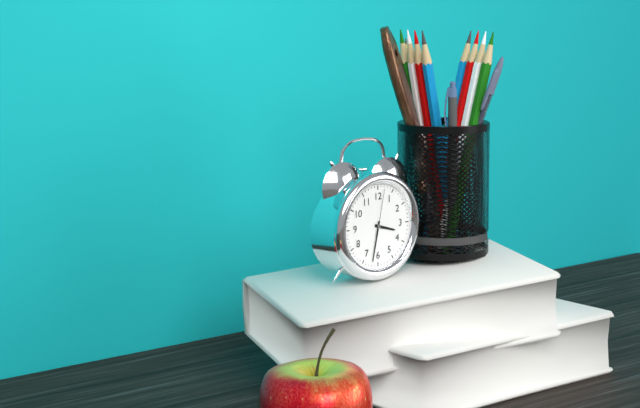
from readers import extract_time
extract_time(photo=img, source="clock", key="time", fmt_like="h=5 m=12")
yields h=3 m=32
